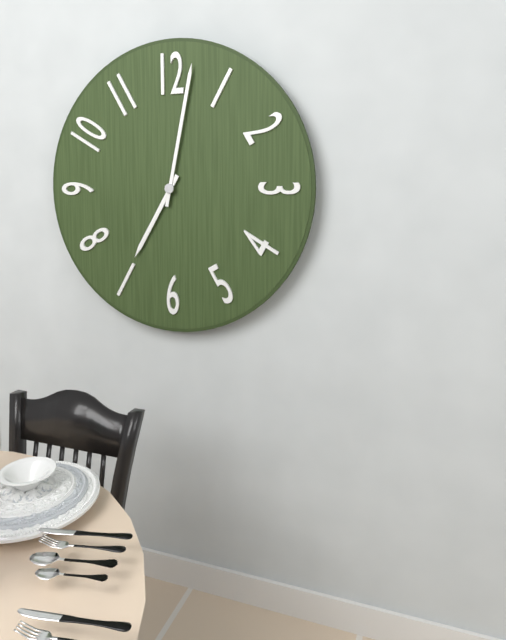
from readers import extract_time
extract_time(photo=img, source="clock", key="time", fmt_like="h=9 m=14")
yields h=7 m=2
